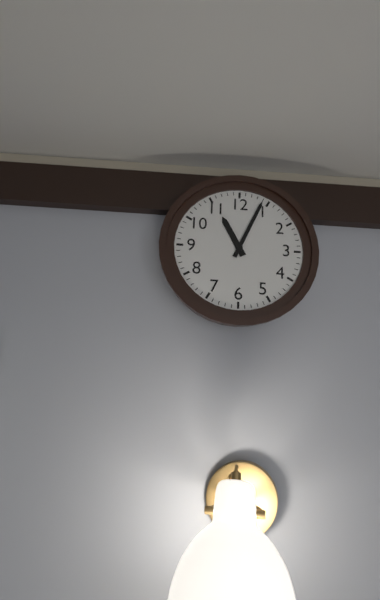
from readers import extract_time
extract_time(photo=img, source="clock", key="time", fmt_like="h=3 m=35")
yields h=11 m=4
